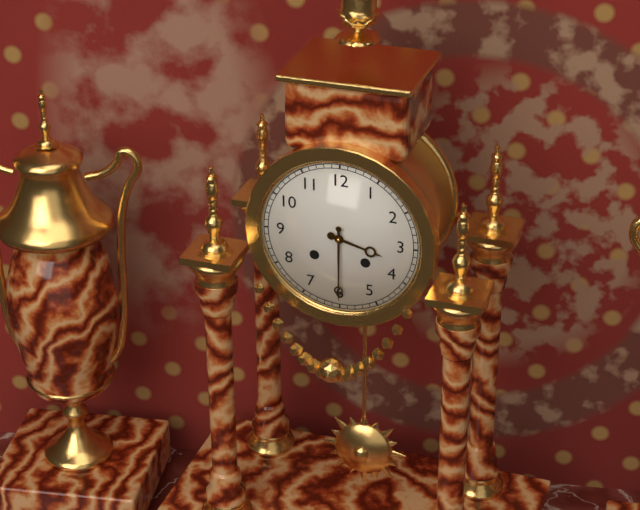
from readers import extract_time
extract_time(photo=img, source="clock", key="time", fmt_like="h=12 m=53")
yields h=3 m=30
